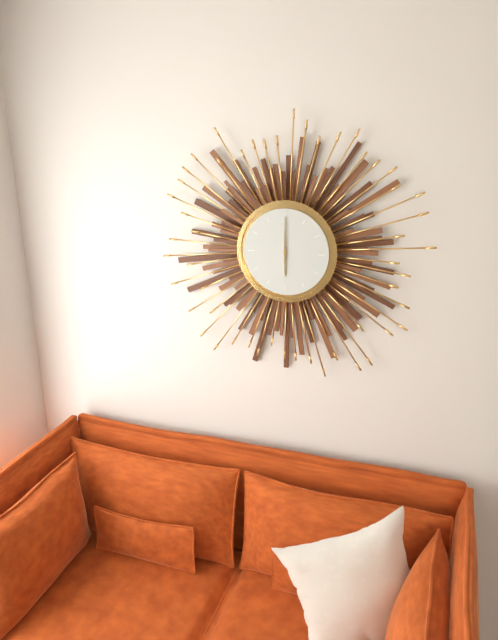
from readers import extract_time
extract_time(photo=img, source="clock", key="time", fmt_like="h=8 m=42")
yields h=6 m=0
